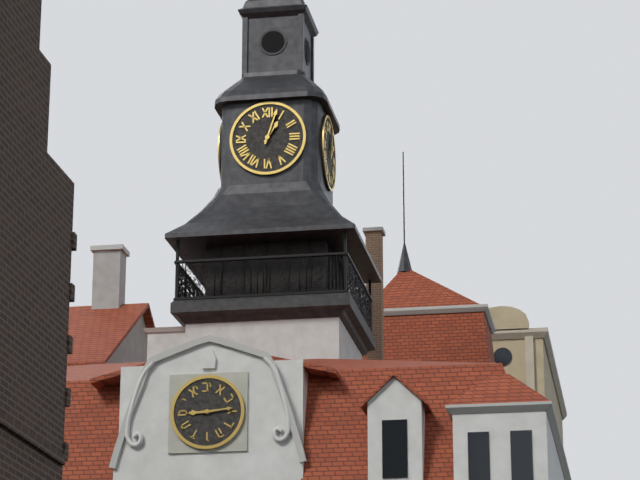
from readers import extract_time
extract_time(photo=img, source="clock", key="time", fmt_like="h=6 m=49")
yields h=1 m=3
